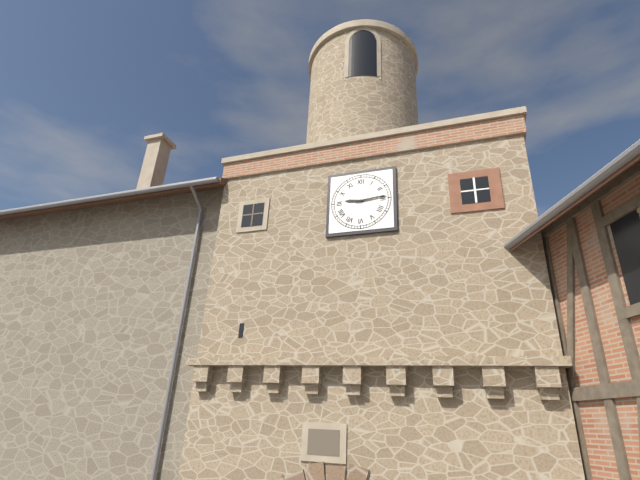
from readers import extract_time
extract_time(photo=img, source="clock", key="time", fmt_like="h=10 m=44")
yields h=9 m=14
